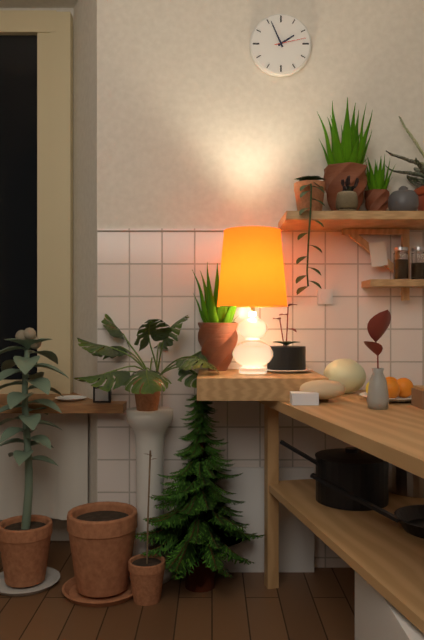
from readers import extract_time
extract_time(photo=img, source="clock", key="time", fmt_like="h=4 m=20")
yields h=1 m=56
